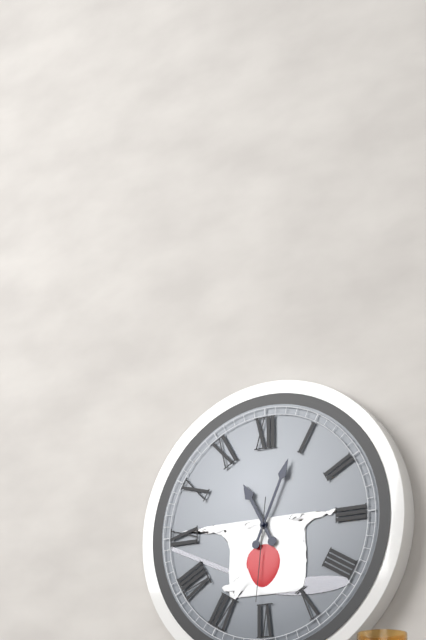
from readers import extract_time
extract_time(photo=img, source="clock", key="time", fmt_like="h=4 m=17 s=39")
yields h=11 m=4 s=31
